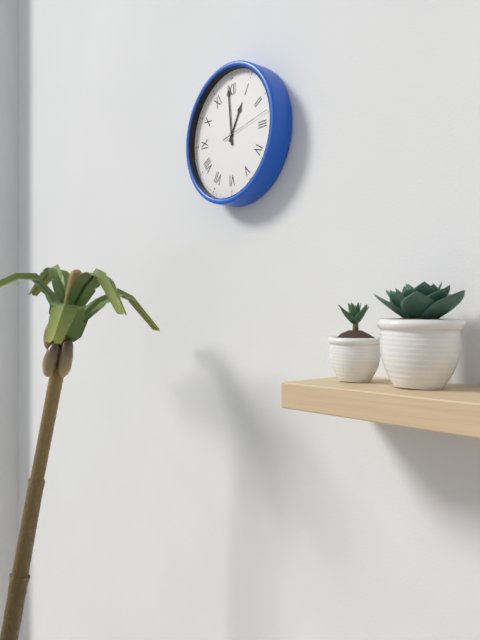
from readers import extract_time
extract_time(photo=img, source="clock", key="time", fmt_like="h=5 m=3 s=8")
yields h=12 m=59 s=13
